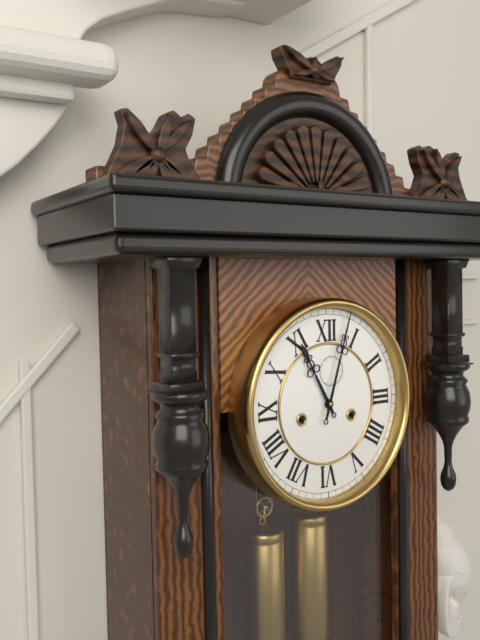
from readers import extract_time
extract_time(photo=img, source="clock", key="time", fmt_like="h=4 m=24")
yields h=11 m=3
